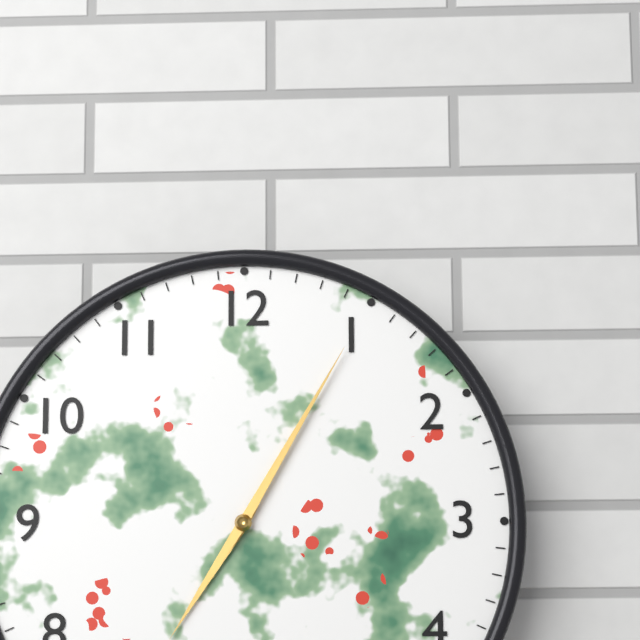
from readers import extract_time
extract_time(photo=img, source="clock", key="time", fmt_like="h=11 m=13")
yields h=7 m=5
